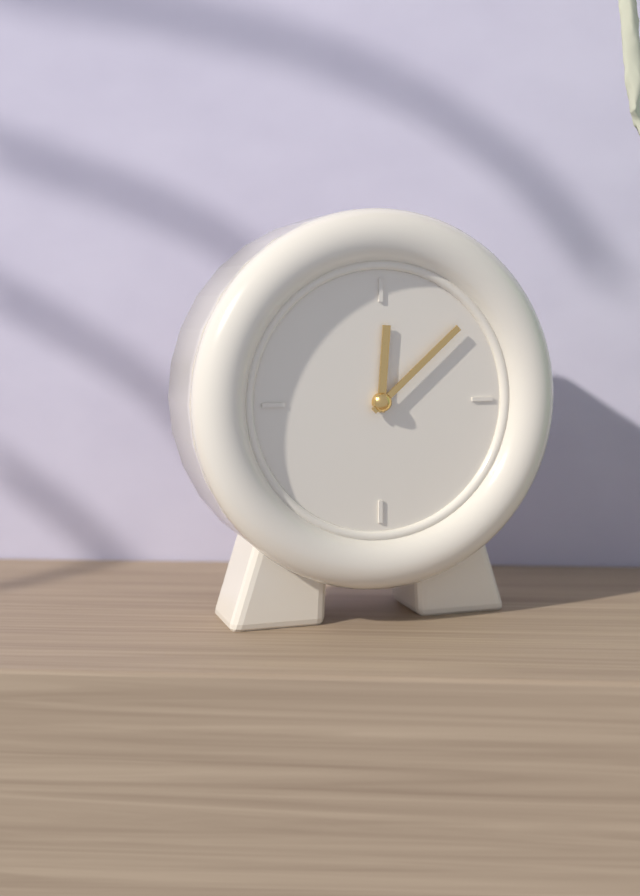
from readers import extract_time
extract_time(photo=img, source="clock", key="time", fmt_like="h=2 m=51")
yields h=12 m=8
